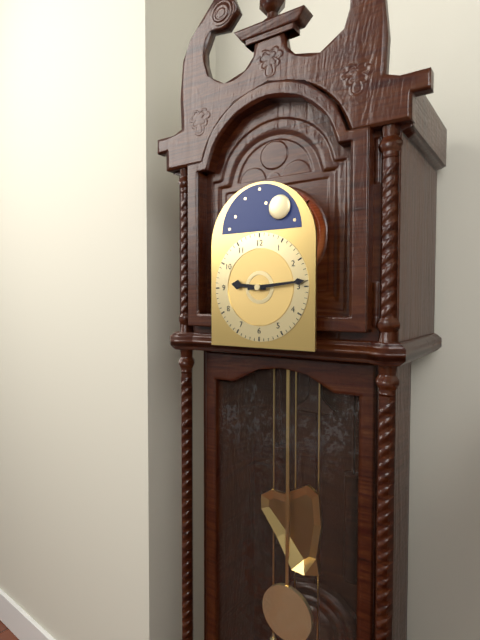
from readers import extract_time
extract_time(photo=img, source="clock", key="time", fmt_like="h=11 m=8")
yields h=9 m=14
